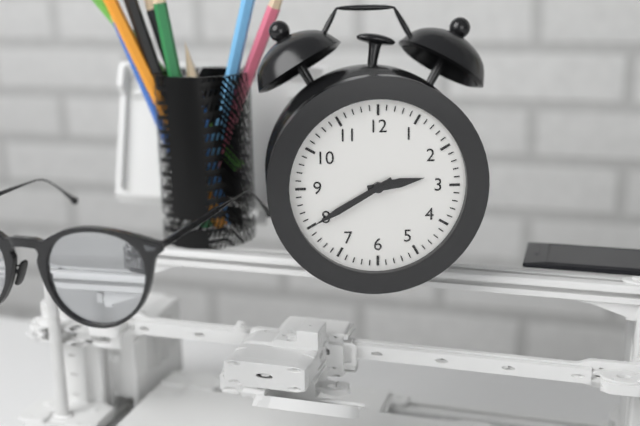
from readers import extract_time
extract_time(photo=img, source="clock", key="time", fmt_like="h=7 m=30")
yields h=2 m=40
